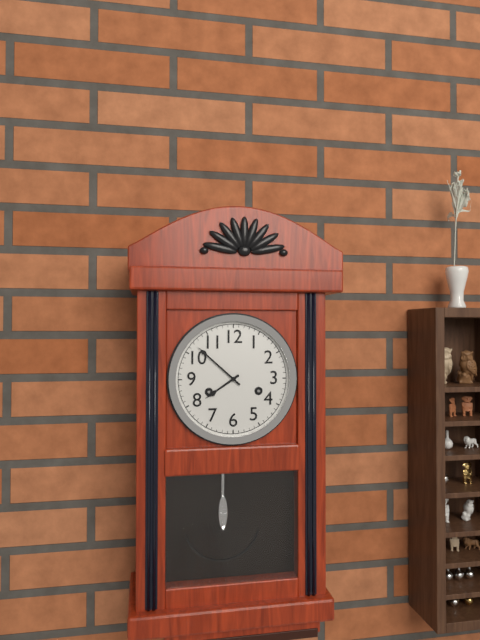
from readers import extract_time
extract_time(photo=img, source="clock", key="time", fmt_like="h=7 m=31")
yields h=7 m=52
